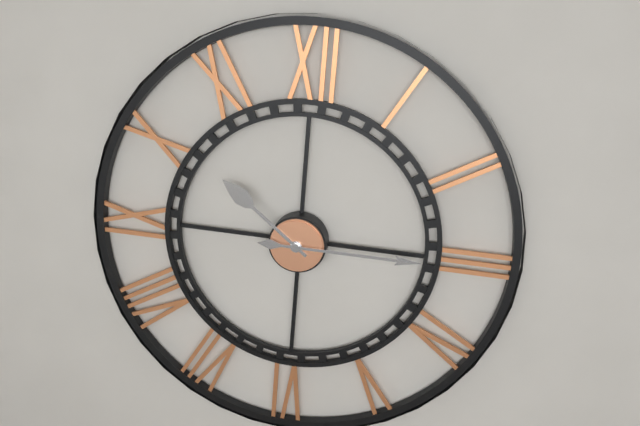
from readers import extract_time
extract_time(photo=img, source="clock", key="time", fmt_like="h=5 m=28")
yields h=10 m=15
